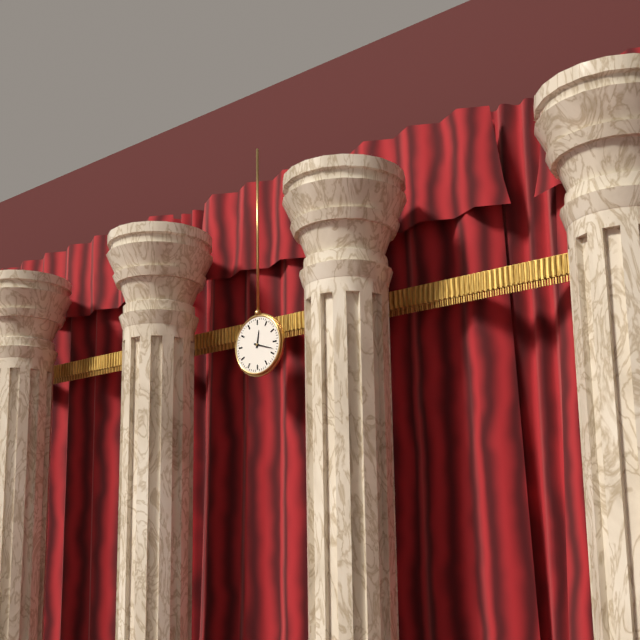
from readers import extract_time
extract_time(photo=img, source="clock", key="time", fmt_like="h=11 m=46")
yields h=12 m=18
